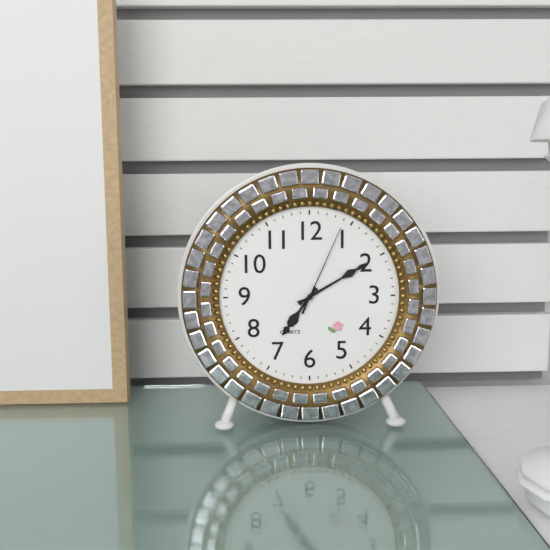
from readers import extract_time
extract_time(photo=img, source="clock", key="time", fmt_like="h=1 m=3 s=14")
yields h=7 m=10 s=4
